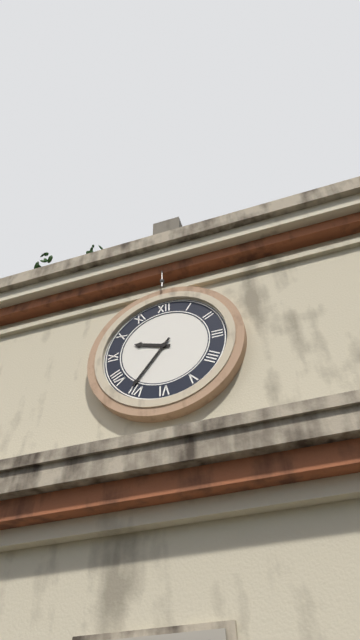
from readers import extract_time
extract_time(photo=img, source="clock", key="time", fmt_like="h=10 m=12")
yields h=9 m=36
